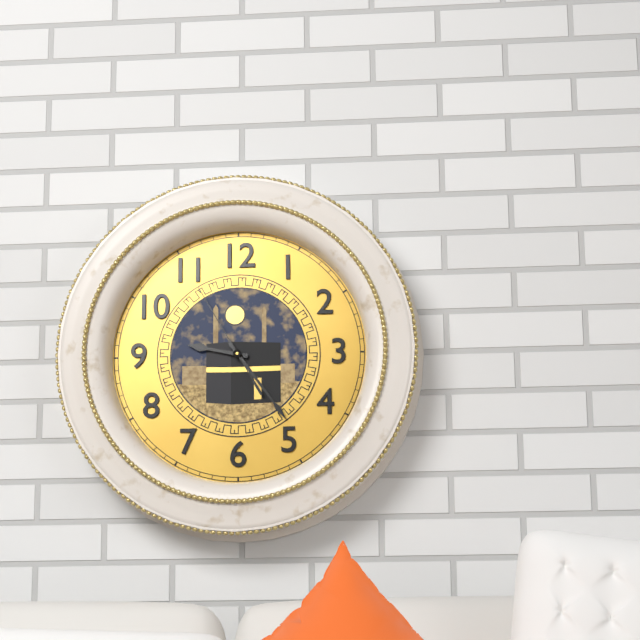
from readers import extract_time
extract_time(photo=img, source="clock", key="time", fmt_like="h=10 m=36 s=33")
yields h=9 m=24 s=55
